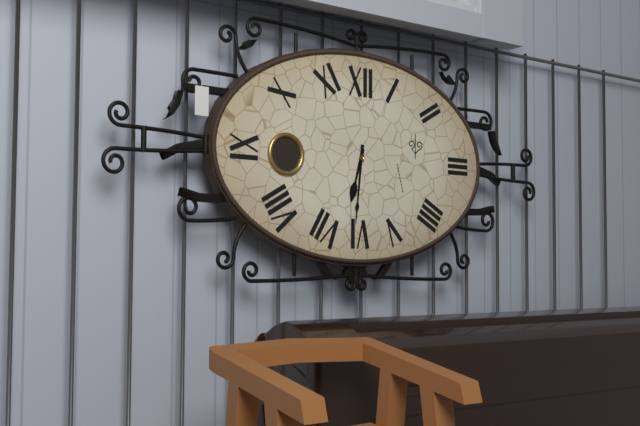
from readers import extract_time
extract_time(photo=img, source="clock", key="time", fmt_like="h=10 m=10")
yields h=6 m=31
